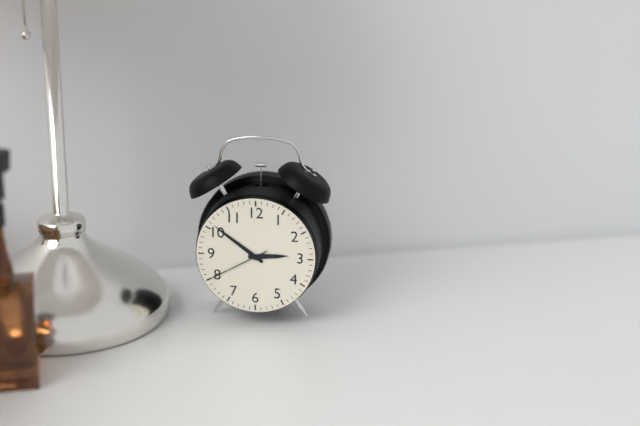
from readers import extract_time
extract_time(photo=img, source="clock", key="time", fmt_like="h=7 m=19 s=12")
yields h=2 m=51 s=40
